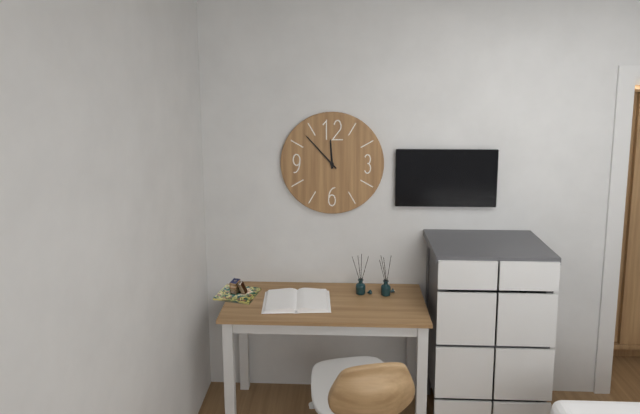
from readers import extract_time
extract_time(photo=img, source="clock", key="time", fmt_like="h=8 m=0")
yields h=11 m=53
